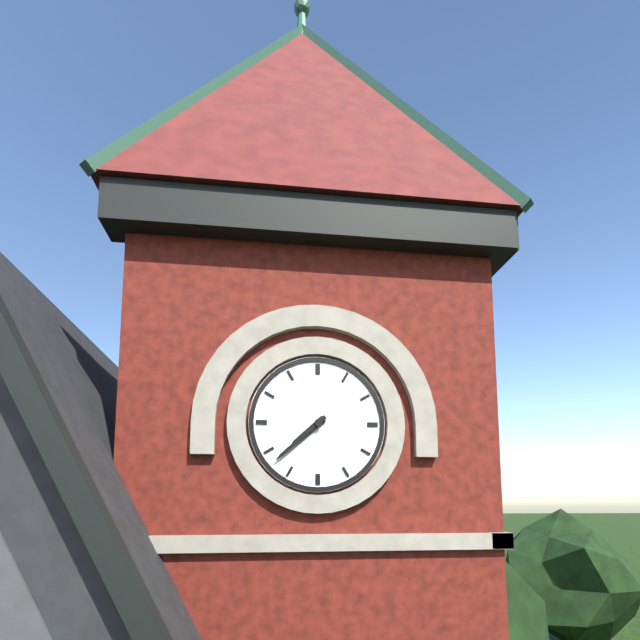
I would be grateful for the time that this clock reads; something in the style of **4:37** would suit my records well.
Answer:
**7:38**
